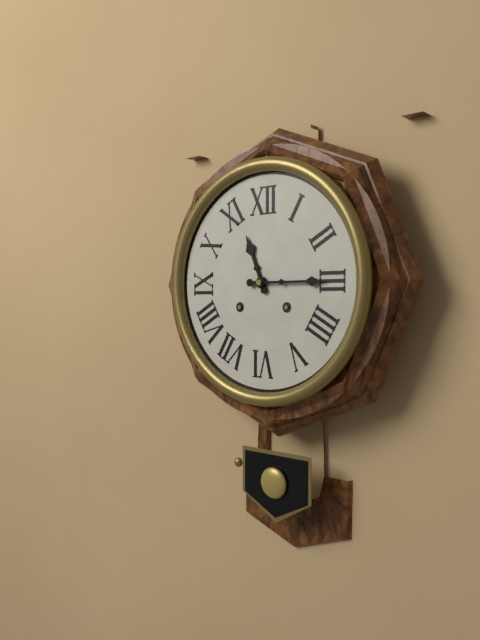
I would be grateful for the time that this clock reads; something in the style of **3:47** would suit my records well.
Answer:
**11:15**
